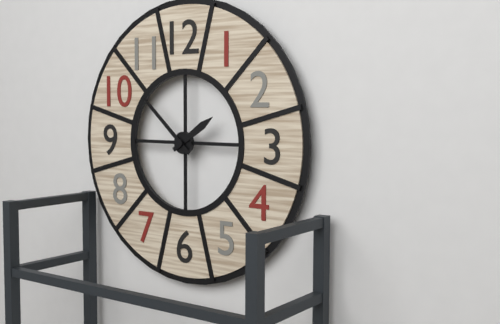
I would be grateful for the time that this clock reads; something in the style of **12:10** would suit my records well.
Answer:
**1:52**
